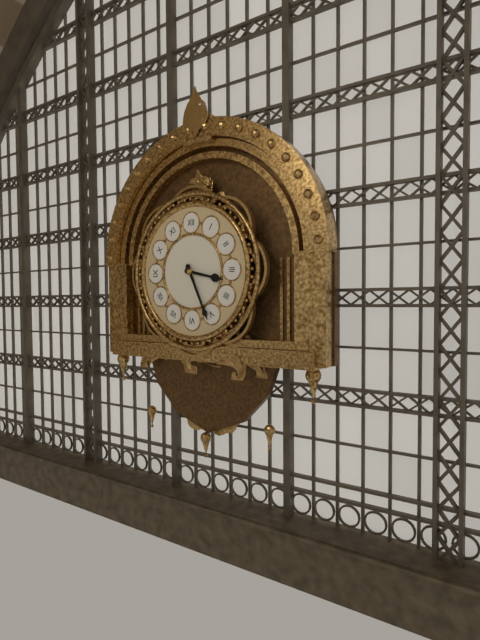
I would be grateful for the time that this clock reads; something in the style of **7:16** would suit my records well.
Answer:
**3:26**
